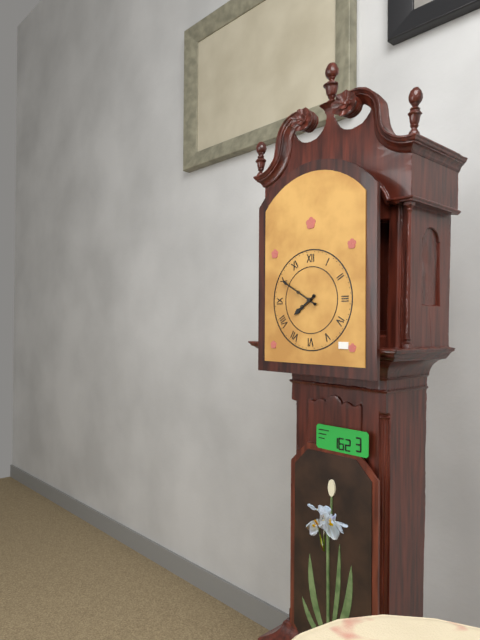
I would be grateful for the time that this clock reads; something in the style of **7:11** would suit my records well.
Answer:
**7:50**
